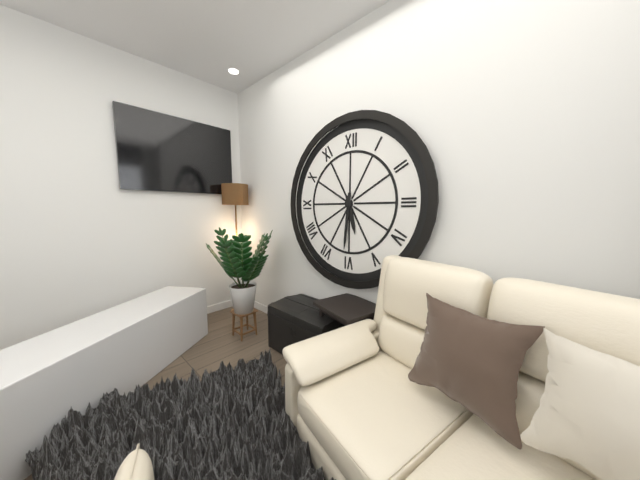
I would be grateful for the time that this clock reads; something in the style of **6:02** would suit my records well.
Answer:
**5:31**
